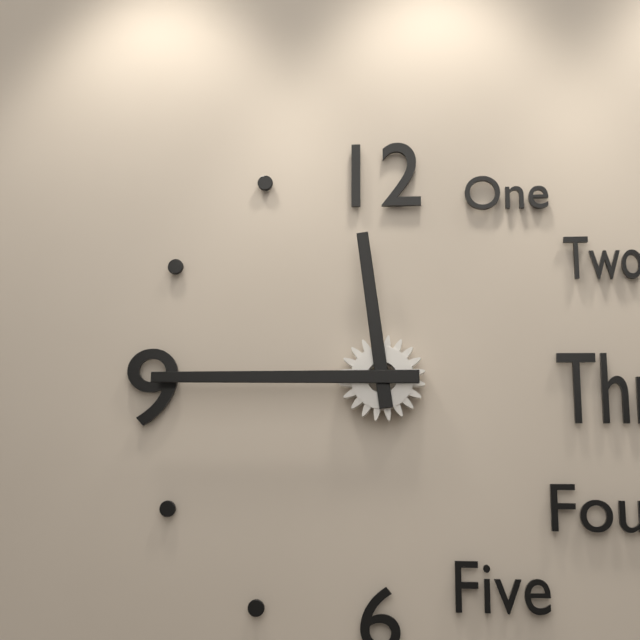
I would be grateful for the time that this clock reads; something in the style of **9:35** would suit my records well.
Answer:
**11:45**
